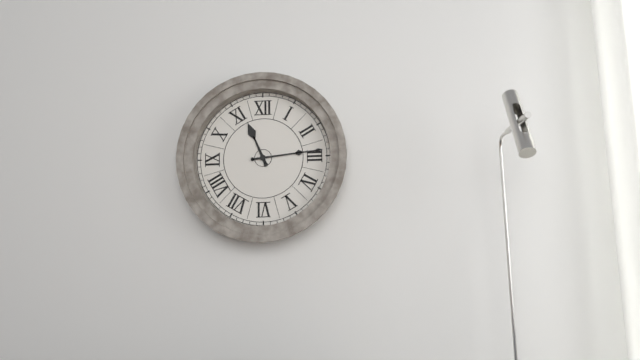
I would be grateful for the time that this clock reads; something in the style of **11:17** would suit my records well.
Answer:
**11:14**
